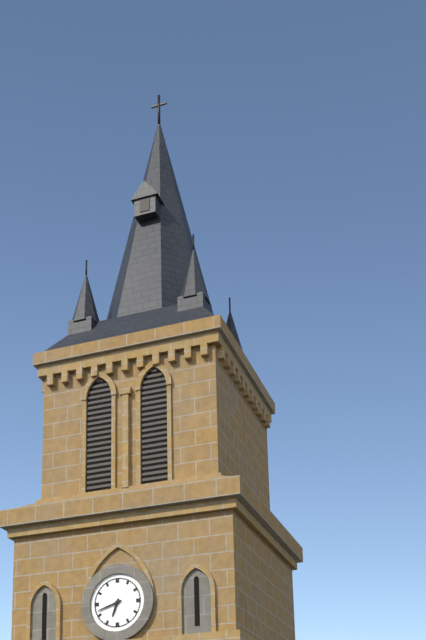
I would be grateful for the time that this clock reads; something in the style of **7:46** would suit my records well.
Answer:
**6:42**
